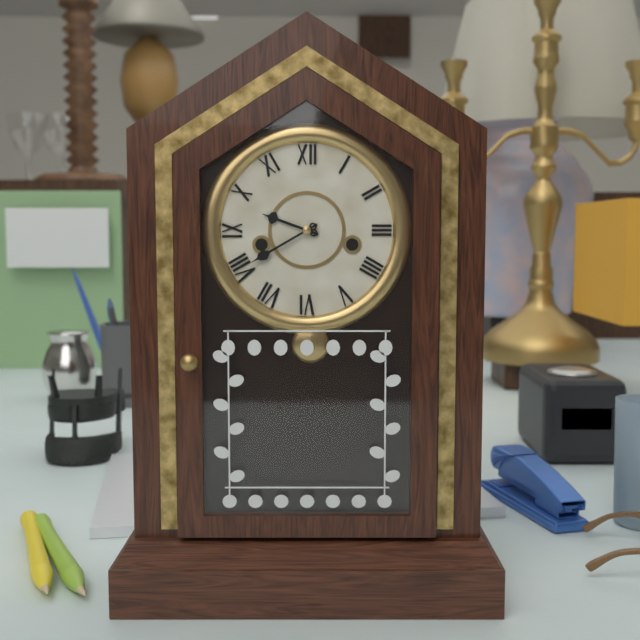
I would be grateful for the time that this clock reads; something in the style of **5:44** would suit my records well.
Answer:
**9:40**
